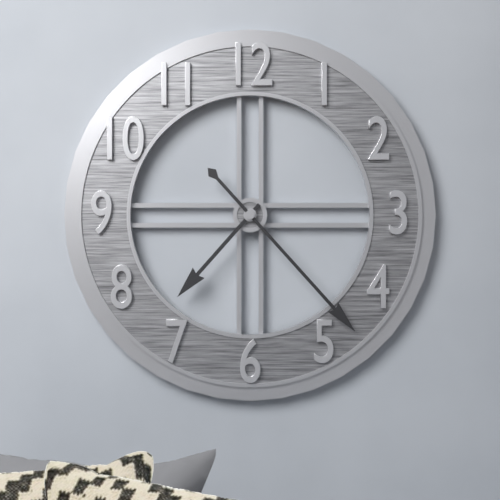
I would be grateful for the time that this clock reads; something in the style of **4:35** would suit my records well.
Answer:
**7:23**
